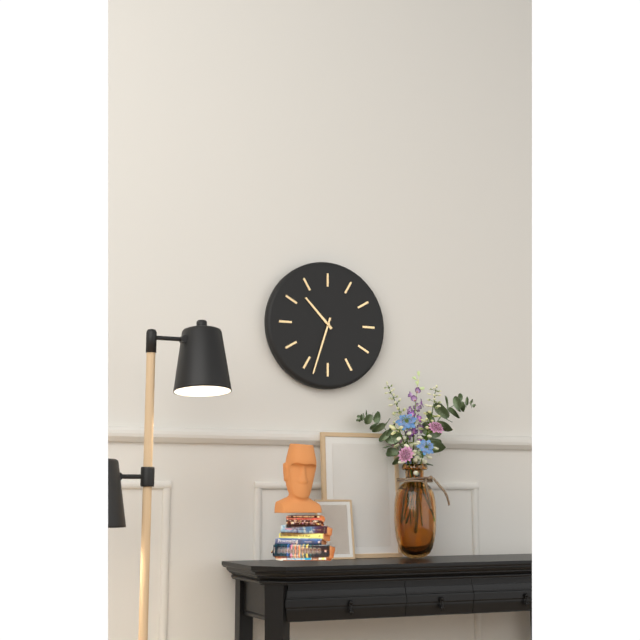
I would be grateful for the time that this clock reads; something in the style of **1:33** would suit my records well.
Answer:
**10:33**
